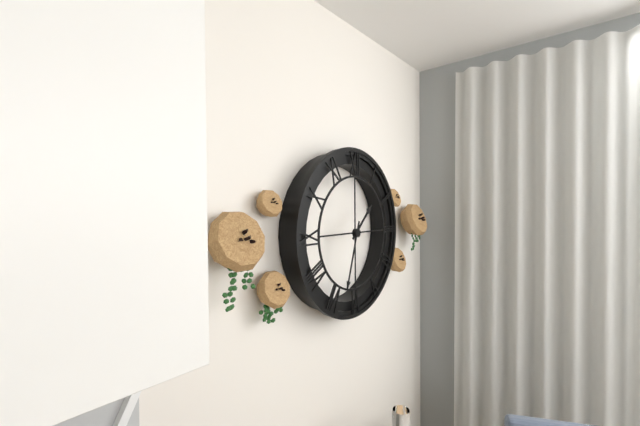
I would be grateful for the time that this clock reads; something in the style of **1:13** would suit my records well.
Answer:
**1:33**
